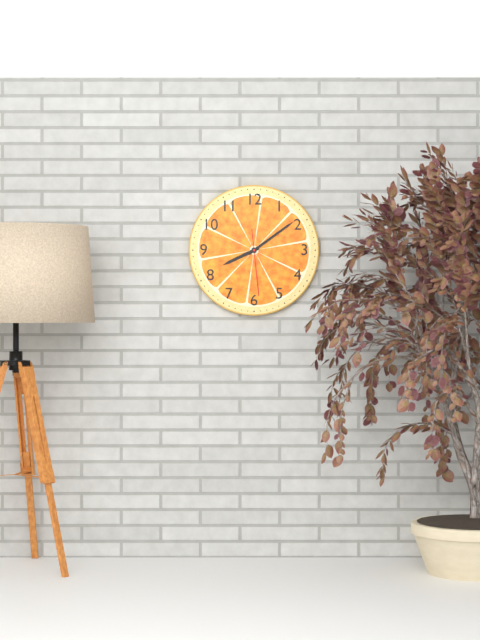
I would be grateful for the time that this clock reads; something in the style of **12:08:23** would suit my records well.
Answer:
**8:09:29**
